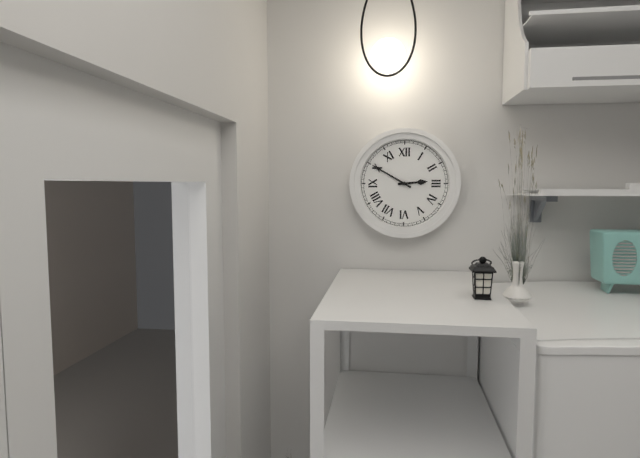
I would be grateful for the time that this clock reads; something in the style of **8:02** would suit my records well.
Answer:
**2:50**
